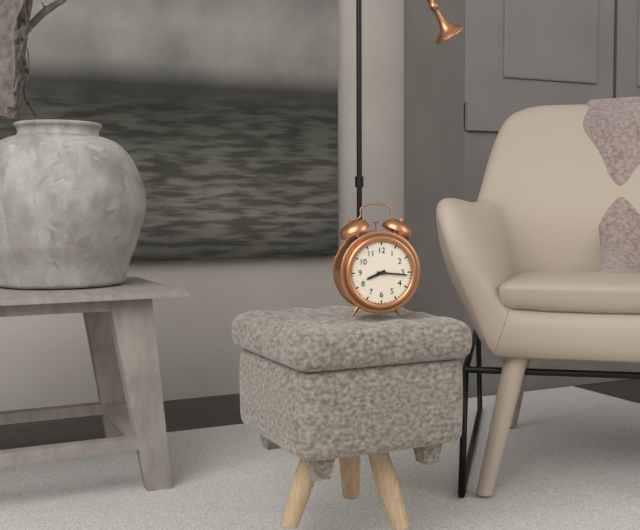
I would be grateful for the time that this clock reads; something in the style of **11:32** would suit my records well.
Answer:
**8:16**
